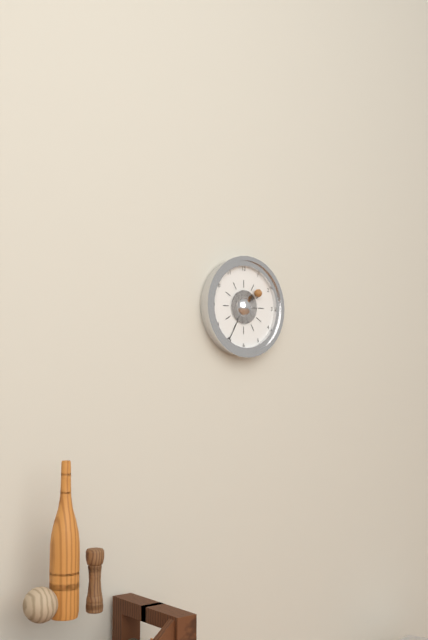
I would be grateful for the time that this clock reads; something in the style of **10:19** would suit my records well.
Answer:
**1:35**
